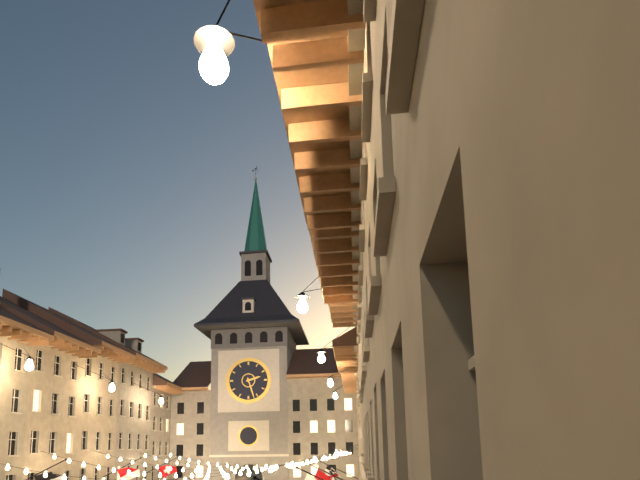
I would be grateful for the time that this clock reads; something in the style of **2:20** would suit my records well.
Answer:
**2:27**
